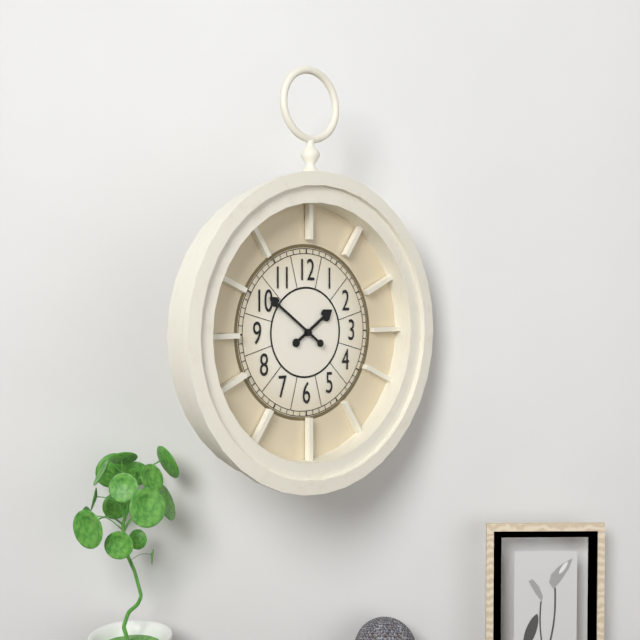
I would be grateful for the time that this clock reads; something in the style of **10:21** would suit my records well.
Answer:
**1:51**
